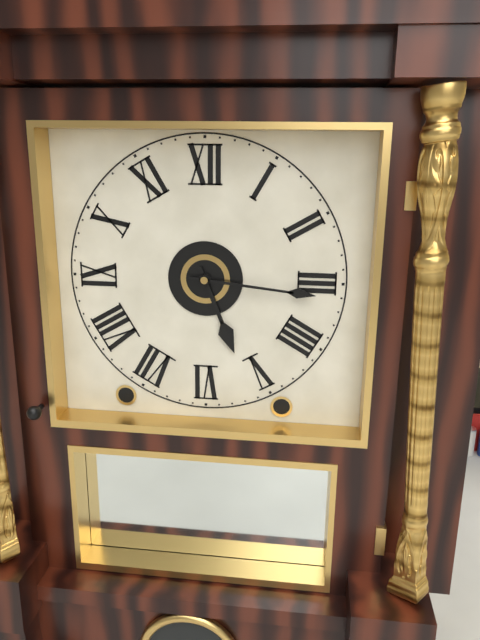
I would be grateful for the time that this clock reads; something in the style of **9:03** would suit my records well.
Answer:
**5:16**
